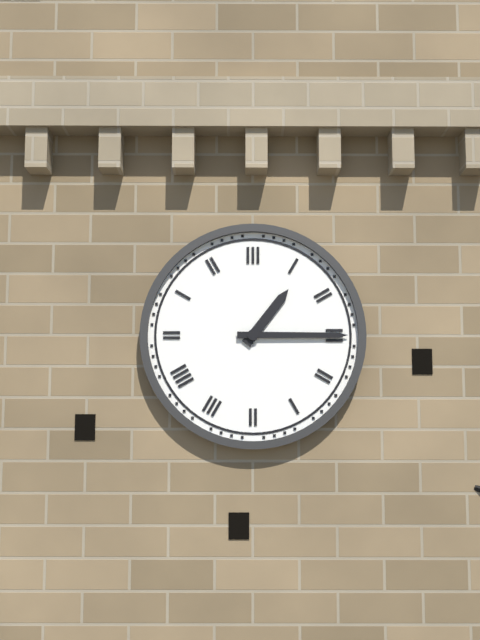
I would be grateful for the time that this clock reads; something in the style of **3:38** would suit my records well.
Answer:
**1:15**
